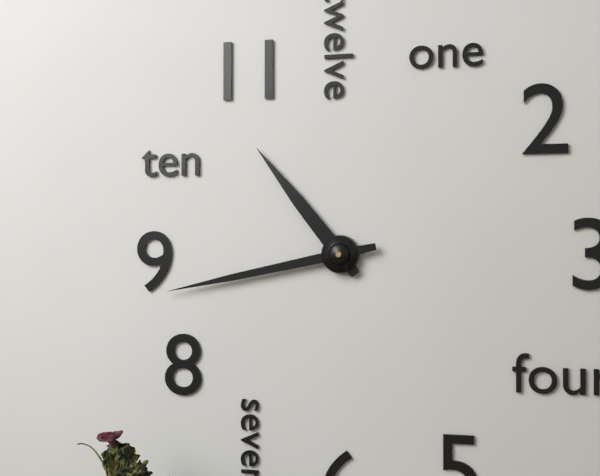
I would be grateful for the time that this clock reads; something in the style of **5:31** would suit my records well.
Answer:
**10:43**
